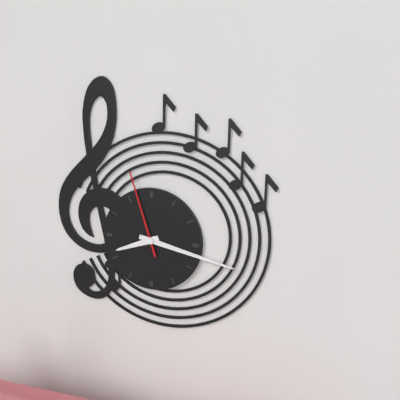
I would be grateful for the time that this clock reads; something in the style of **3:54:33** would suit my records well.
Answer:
**8:17:57**
